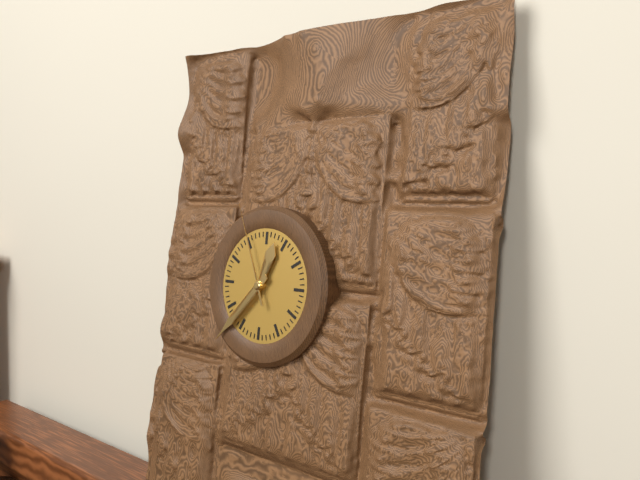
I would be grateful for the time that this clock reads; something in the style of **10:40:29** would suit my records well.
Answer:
**12:37:56**
